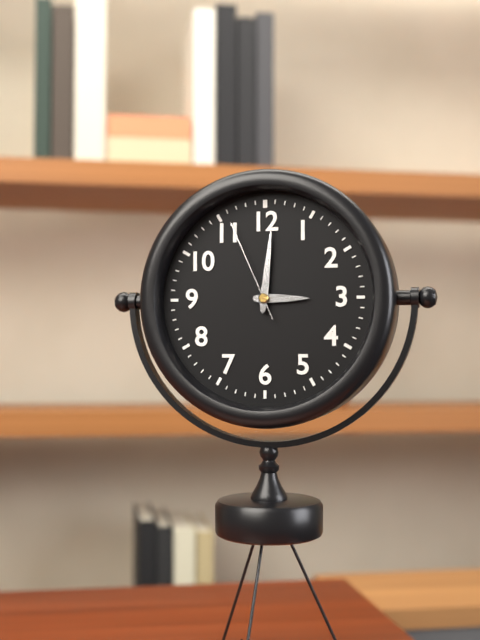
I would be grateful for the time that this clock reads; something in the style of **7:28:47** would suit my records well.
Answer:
**3:01:56**
